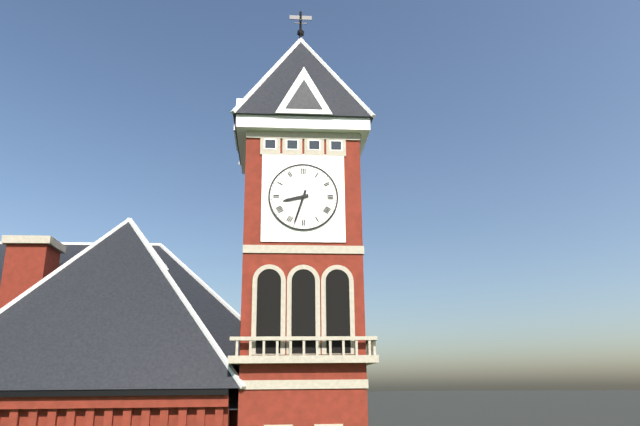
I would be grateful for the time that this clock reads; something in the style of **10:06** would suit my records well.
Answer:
**8:33**
